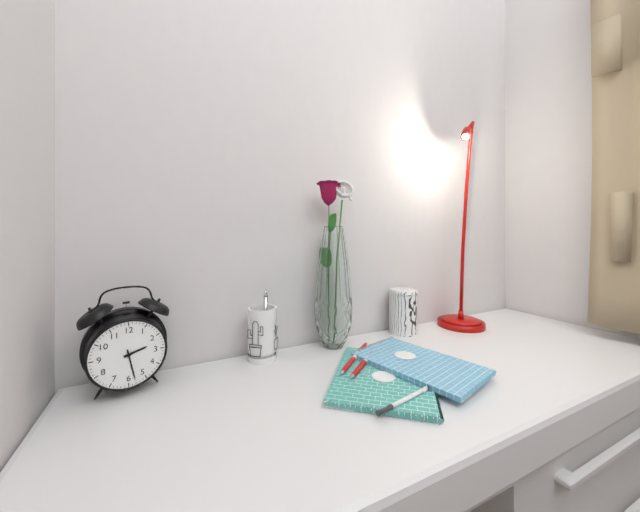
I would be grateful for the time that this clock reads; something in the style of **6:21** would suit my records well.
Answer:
**2:28**
